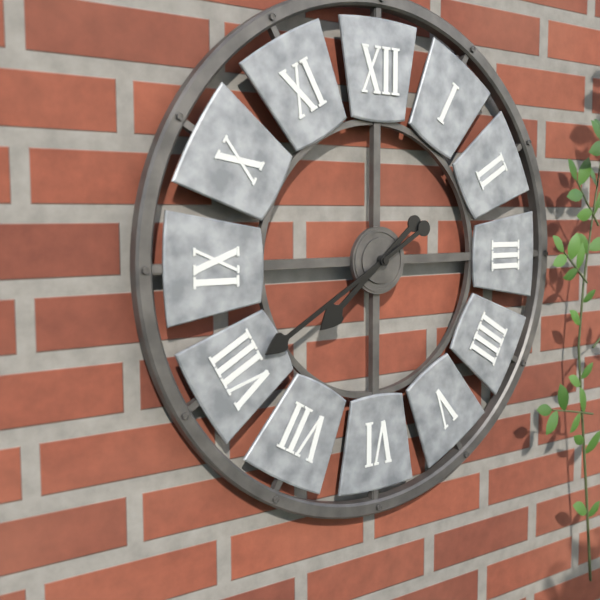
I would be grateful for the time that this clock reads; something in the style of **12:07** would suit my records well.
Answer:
**7:40**
